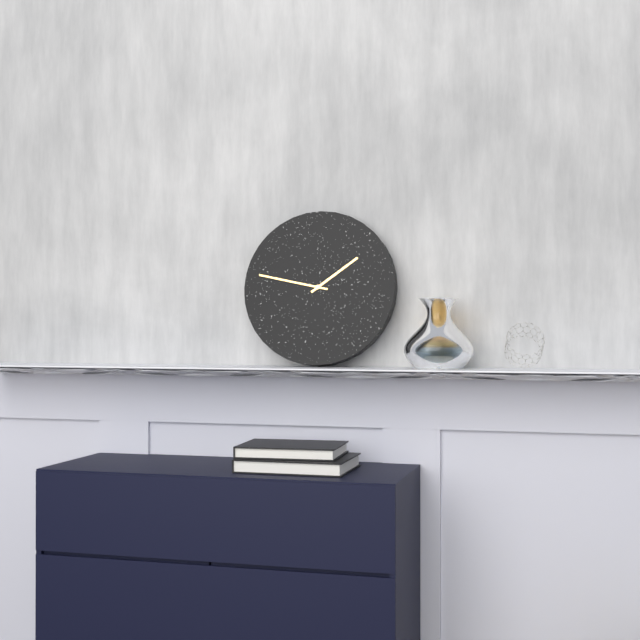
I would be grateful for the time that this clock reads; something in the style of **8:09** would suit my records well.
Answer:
**1:47**
